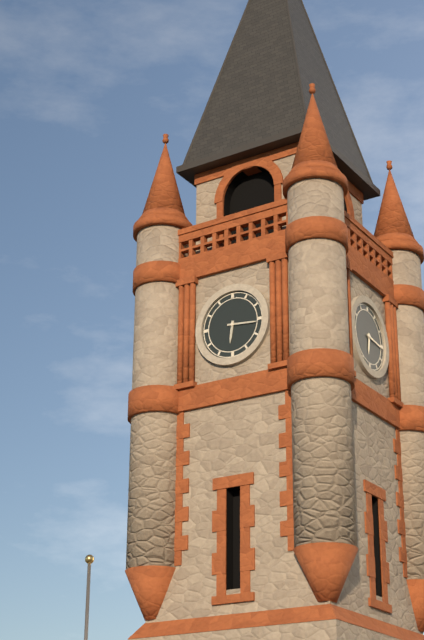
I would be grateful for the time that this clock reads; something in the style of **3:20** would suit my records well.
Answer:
**6:16**
